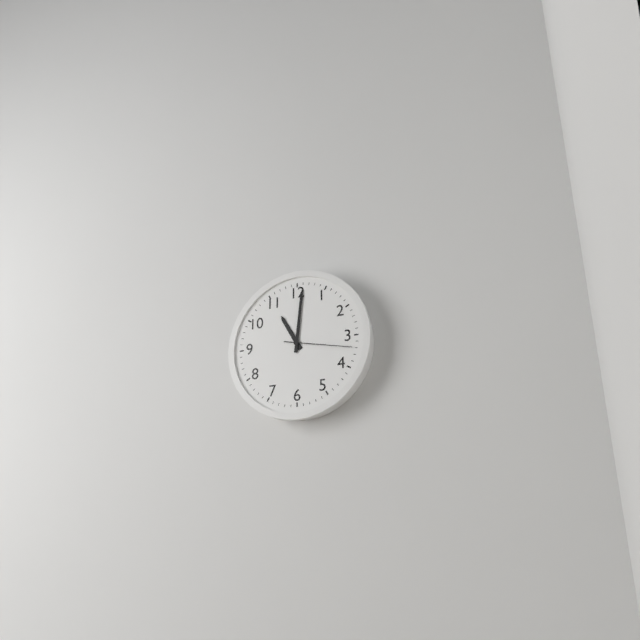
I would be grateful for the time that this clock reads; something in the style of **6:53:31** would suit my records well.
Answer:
**11:01:17**
